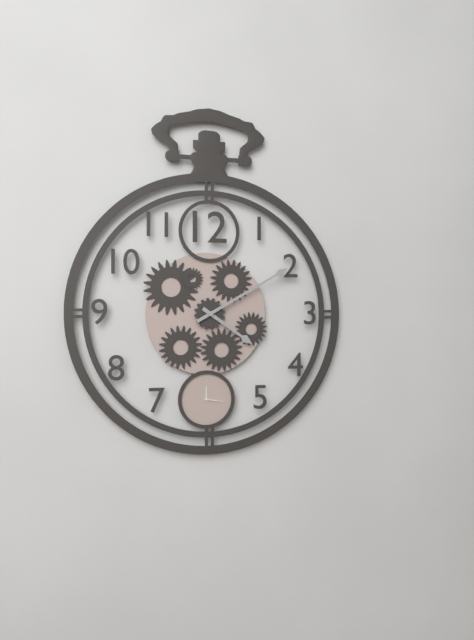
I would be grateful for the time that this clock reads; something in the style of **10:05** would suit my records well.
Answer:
**4:10**
